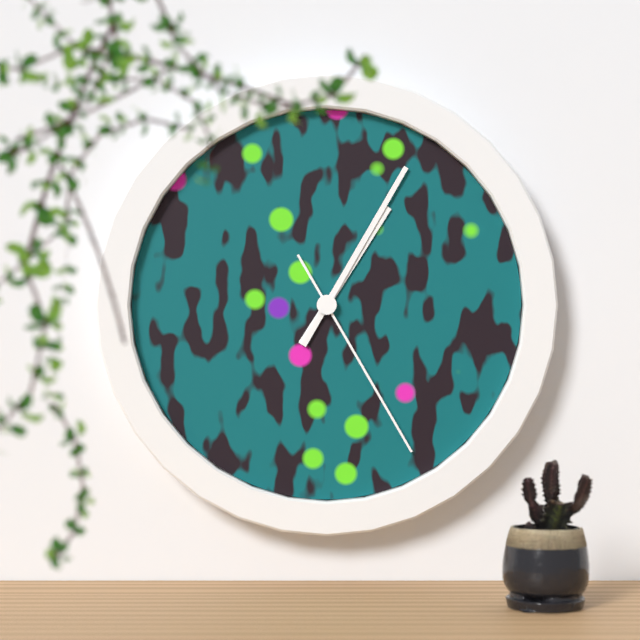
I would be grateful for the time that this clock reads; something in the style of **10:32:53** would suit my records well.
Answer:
**1:05:25**
